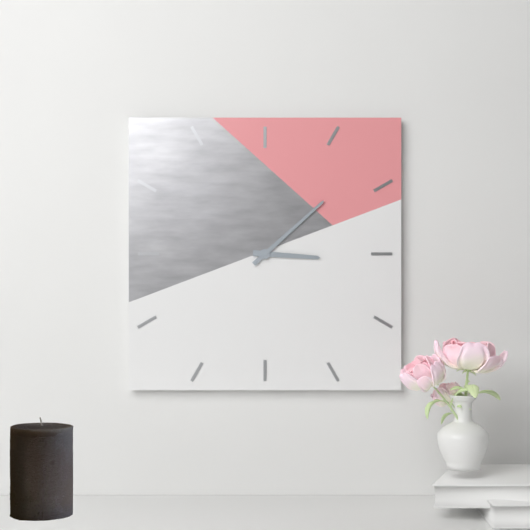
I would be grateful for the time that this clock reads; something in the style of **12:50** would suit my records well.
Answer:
**3:08**
